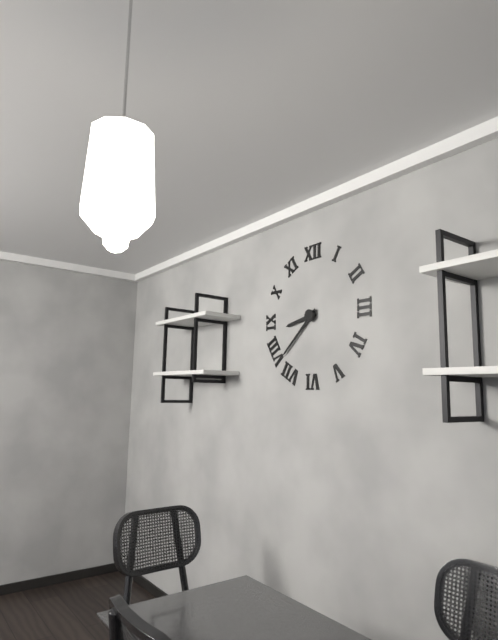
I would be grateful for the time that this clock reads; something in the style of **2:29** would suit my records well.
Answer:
**8:38**
